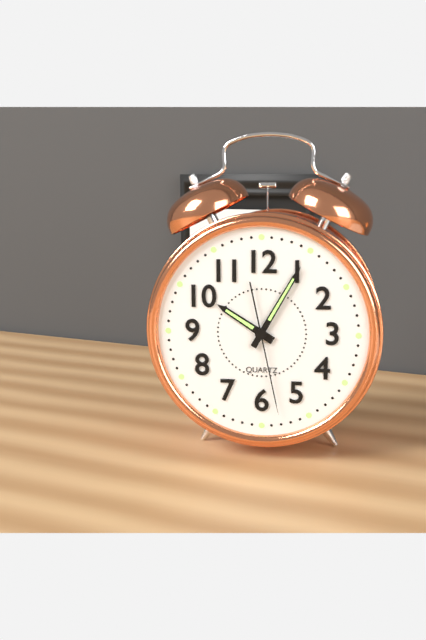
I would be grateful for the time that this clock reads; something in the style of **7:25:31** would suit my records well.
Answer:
**10:05:28**
